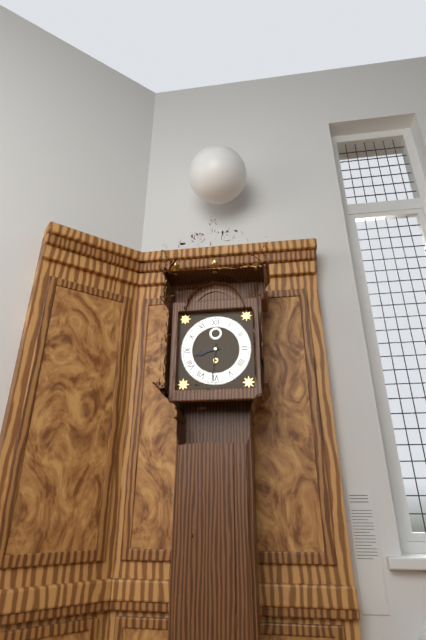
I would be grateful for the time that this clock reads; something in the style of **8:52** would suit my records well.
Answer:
**8:31**
